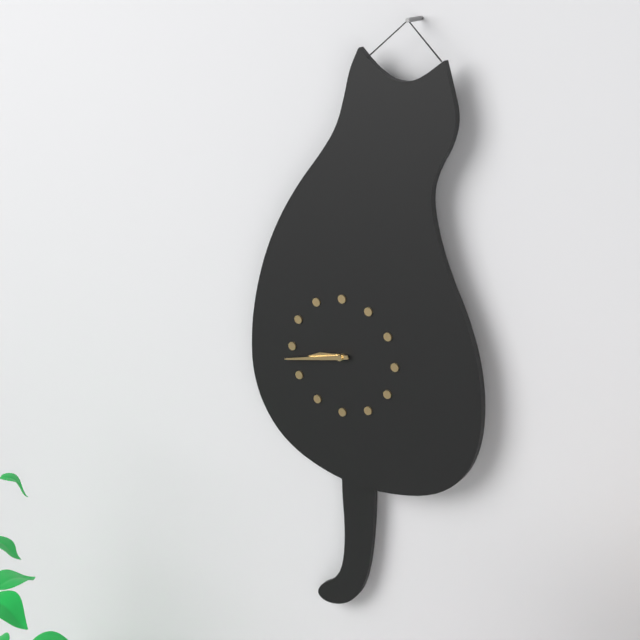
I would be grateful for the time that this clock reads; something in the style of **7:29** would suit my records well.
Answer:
**8:43**
